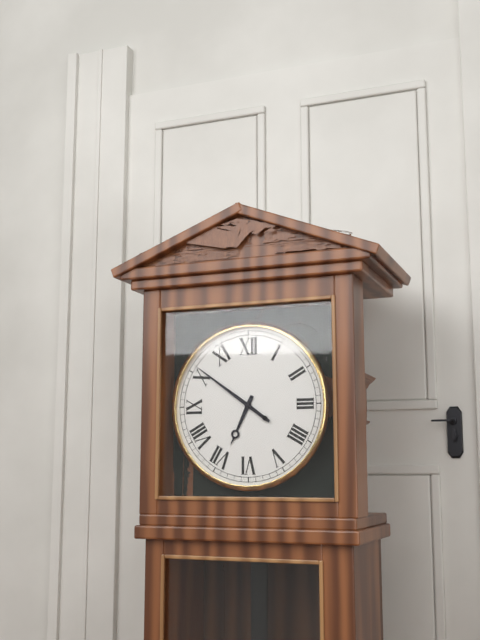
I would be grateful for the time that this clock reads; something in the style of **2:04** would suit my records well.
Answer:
**6:51**
